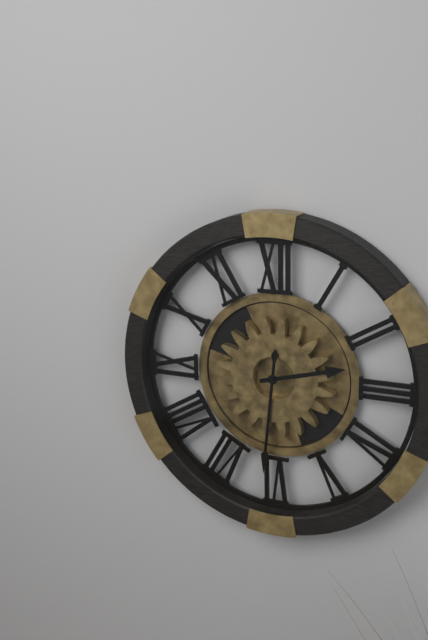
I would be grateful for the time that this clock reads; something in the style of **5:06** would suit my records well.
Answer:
**2:31**
